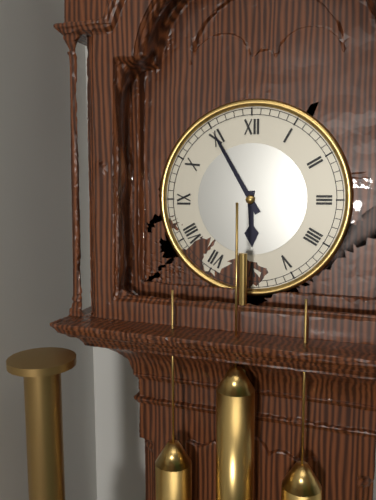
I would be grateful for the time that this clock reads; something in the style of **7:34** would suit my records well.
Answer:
**5:55**
